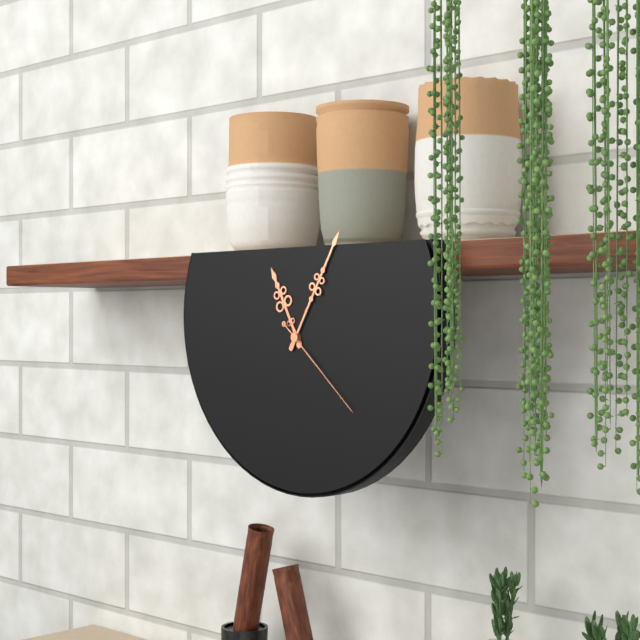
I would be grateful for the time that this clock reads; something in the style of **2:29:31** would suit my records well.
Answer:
**11:05:22**
